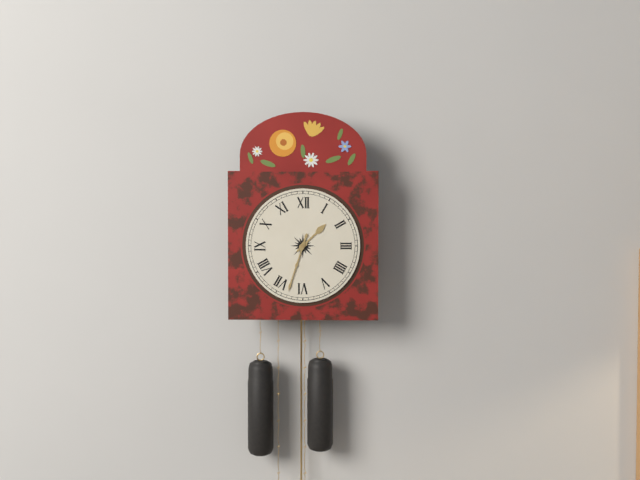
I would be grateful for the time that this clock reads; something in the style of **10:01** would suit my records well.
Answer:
**1:33**
